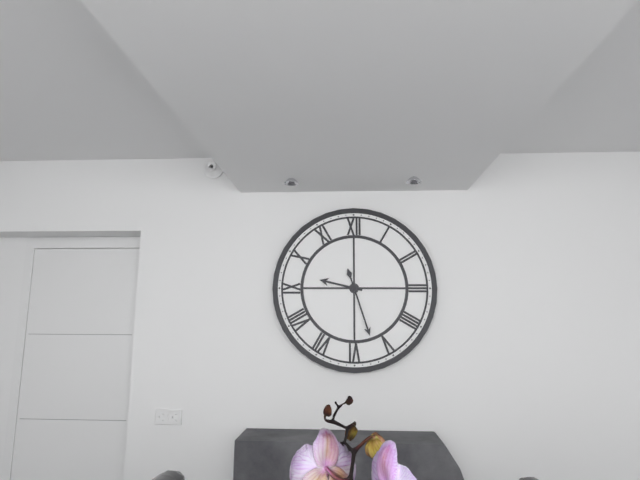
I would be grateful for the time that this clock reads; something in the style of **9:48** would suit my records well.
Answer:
**9:27**
